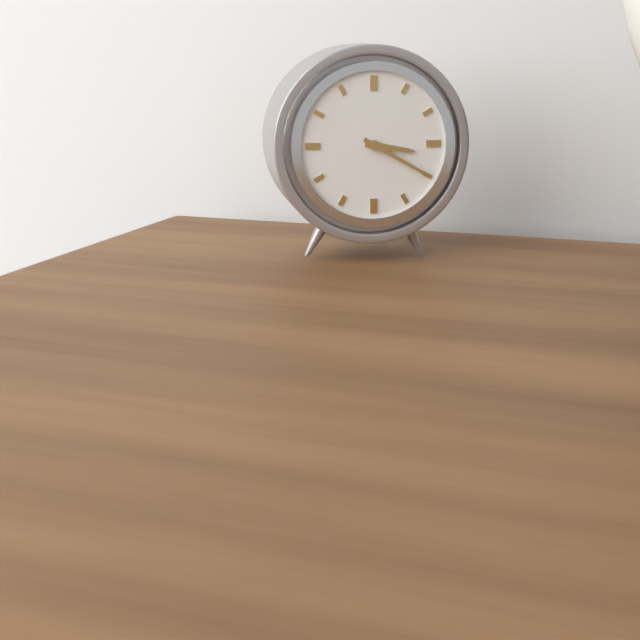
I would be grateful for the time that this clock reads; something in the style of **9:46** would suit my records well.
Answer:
**3:20**
